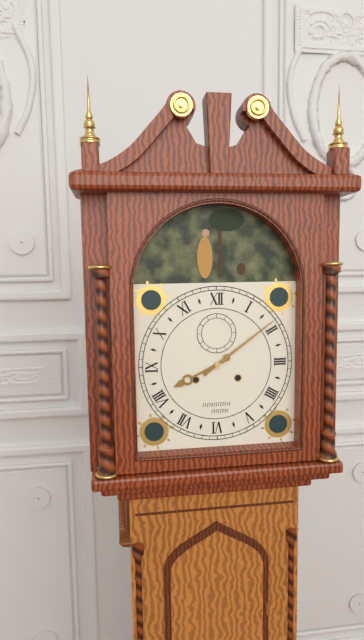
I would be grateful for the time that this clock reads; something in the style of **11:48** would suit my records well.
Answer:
**8:09**
